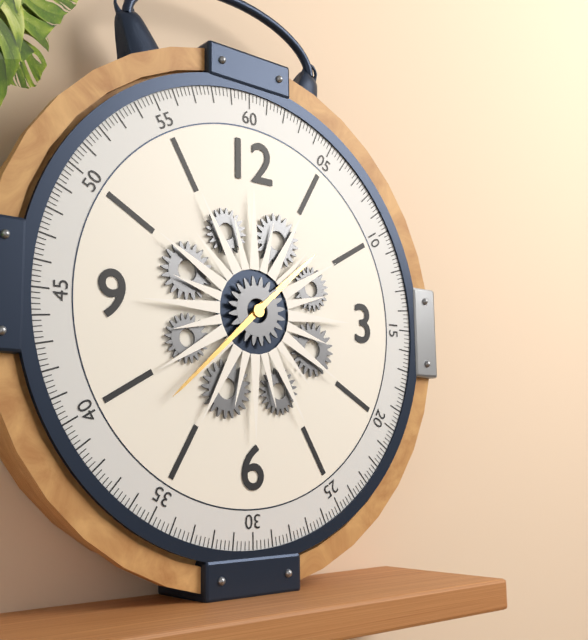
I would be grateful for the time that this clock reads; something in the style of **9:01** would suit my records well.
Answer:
**1:38**
